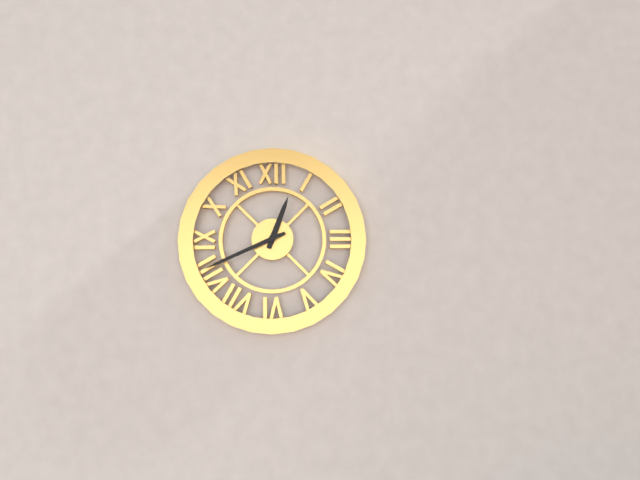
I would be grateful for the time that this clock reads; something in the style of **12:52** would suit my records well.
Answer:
**12:41**
